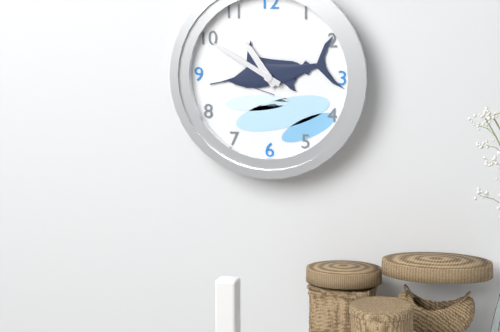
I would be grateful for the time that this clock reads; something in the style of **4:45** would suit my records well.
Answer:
**10:50**
